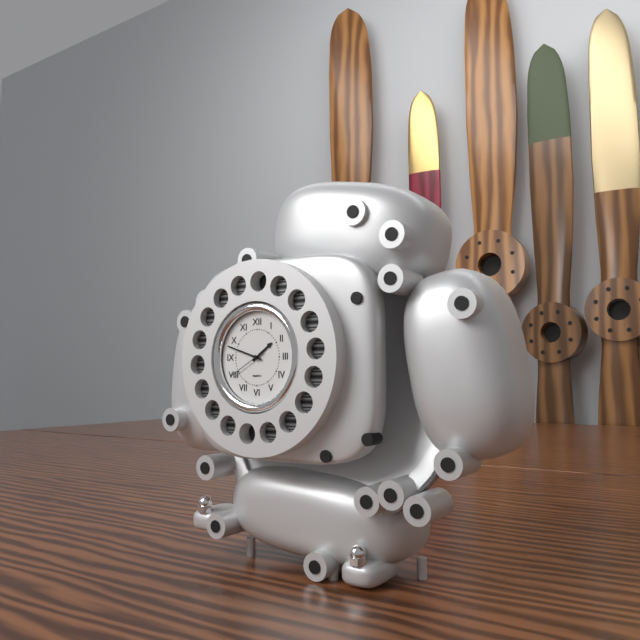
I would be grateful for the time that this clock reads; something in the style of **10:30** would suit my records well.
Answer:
**1:48**
